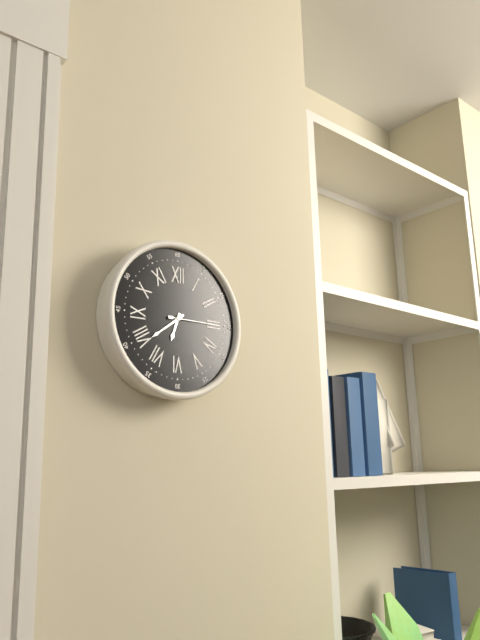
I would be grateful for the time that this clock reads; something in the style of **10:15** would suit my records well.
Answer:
**6:39**
